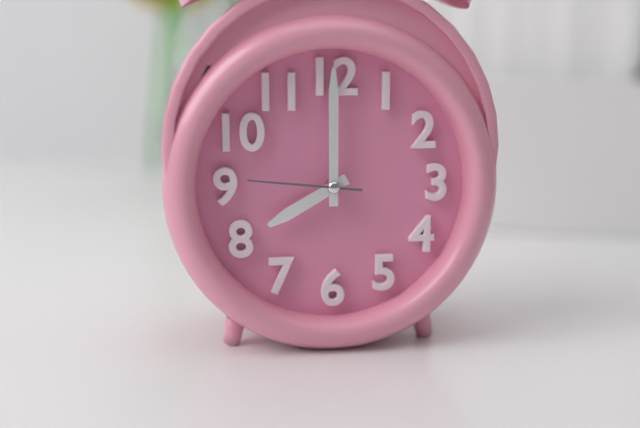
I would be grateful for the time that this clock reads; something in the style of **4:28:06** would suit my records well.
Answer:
**8:00:46**
